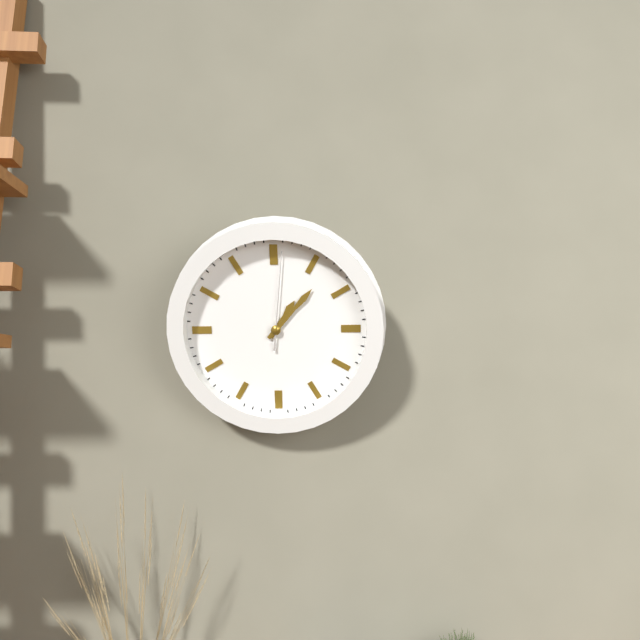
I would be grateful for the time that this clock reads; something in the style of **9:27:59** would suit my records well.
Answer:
**1:07:01**
